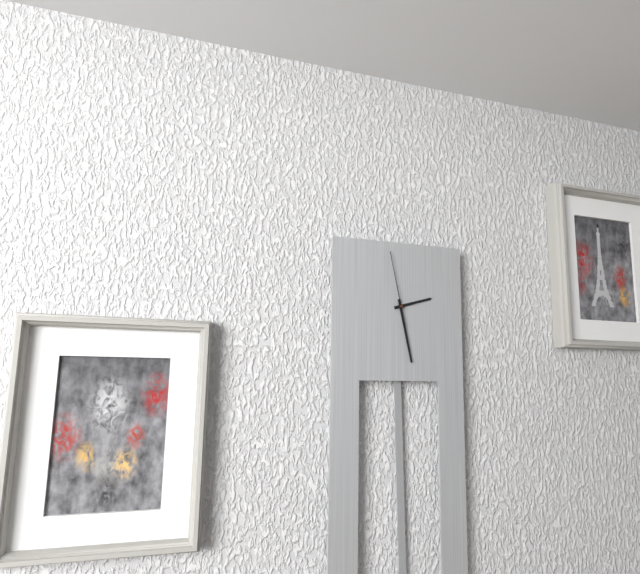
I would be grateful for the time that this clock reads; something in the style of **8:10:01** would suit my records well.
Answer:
**2:28:58**
